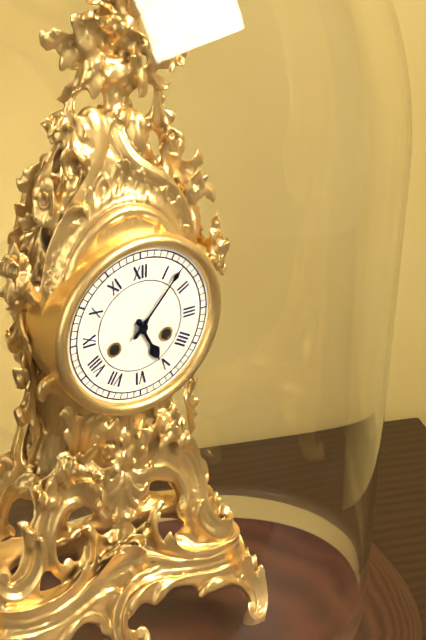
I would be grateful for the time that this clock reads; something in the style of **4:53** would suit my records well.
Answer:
**5:07**
